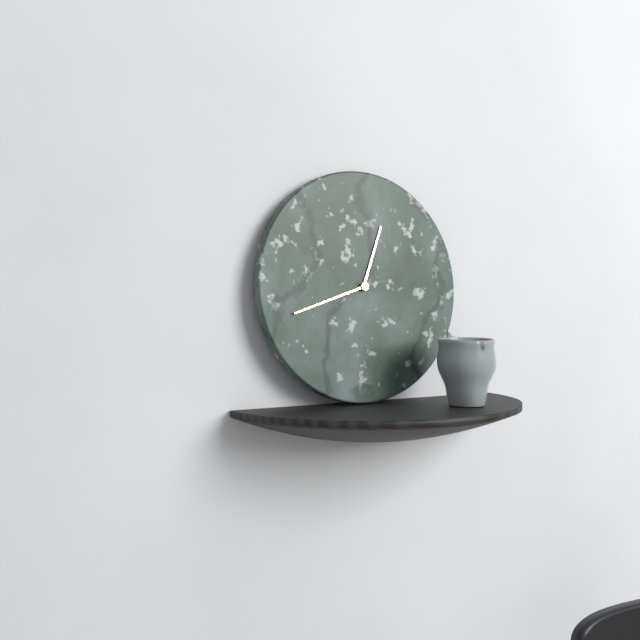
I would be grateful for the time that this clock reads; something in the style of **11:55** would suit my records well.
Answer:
**12:42**
